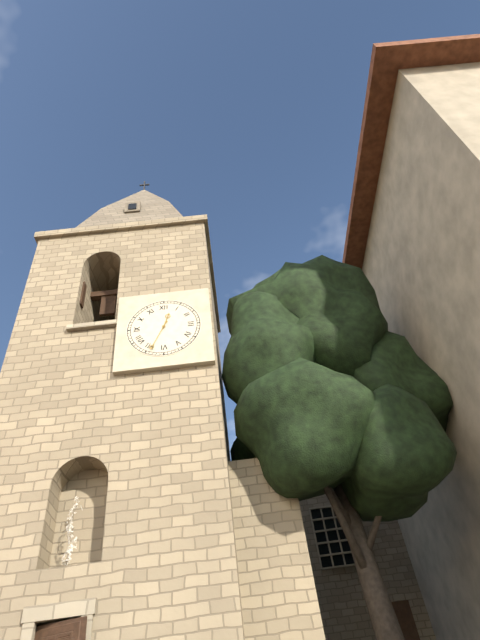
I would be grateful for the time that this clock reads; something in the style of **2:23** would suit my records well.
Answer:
**12:34**
